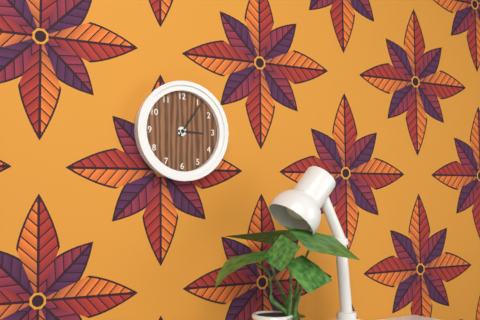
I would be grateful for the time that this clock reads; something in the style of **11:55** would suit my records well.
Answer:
**3:06**
